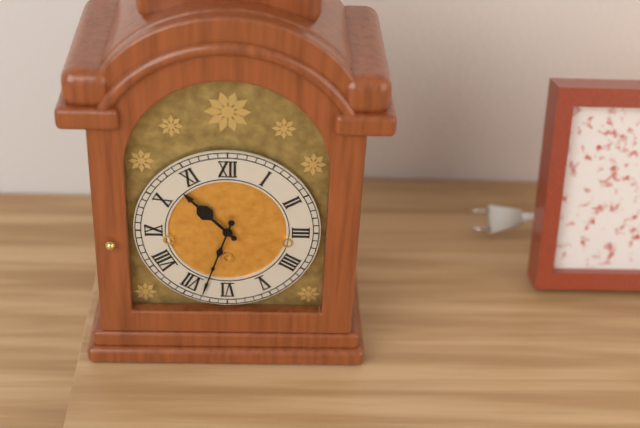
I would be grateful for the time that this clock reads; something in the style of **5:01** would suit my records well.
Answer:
**10:33**
